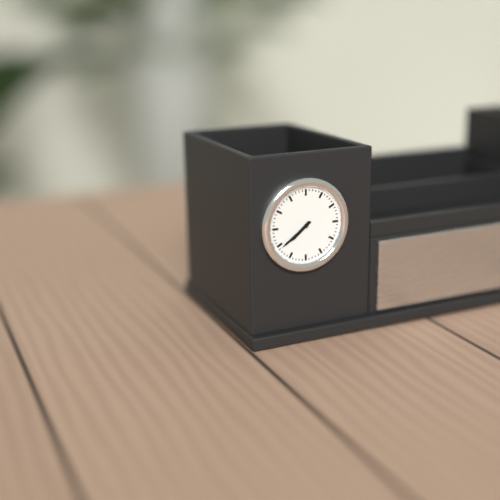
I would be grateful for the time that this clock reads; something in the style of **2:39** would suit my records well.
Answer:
**7:39**
